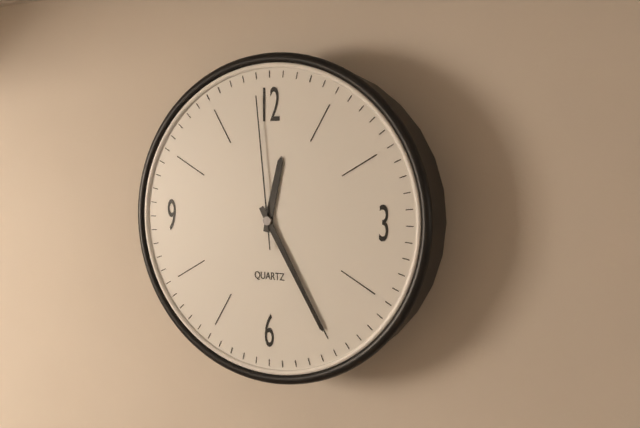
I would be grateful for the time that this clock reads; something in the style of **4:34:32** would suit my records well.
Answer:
**12:25:59**
